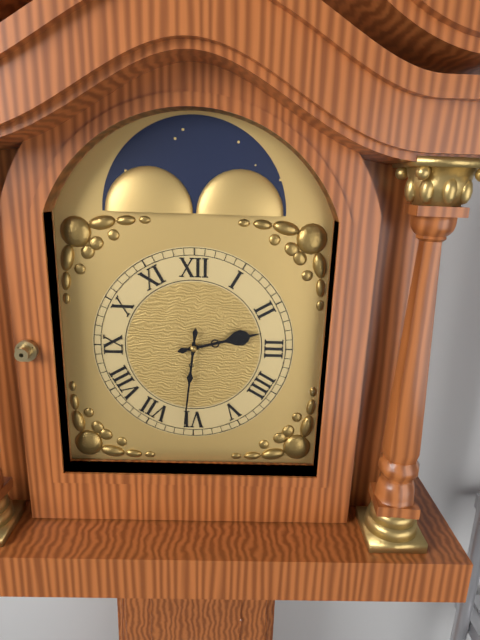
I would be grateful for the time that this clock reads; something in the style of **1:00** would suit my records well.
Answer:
**2:31**
